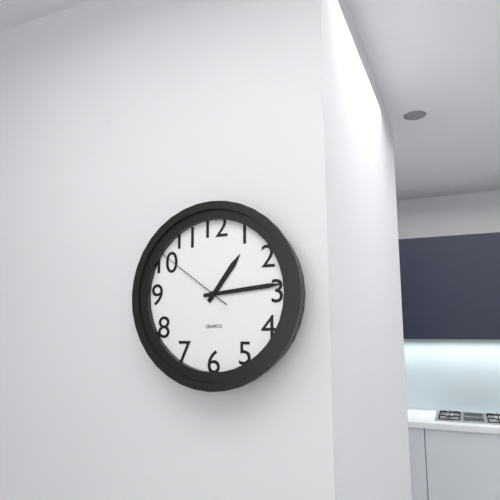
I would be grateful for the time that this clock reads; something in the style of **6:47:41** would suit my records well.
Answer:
**1:14:51**
